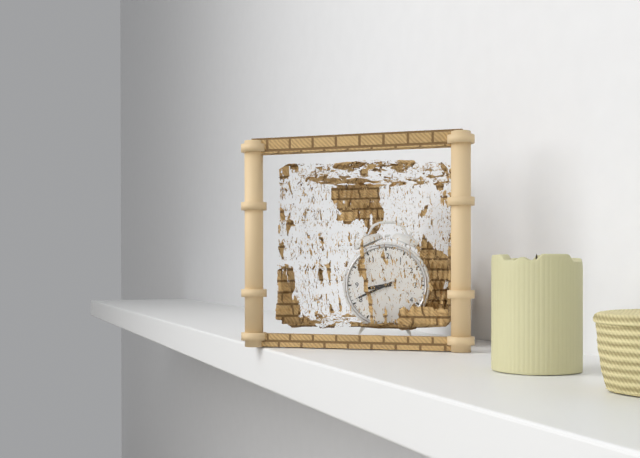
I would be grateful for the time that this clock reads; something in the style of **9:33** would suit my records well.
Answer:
**8:41**
